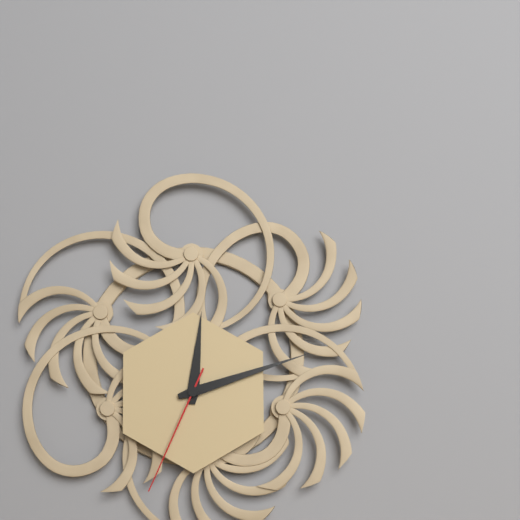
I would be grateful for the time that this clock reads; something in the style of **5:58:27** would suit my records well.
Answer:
**12:12:34**
